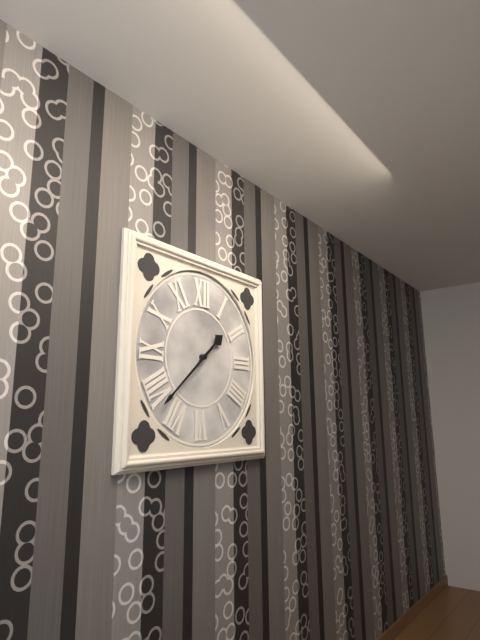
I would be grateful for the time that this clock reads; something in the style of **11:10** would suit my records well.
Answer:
**1:38**
